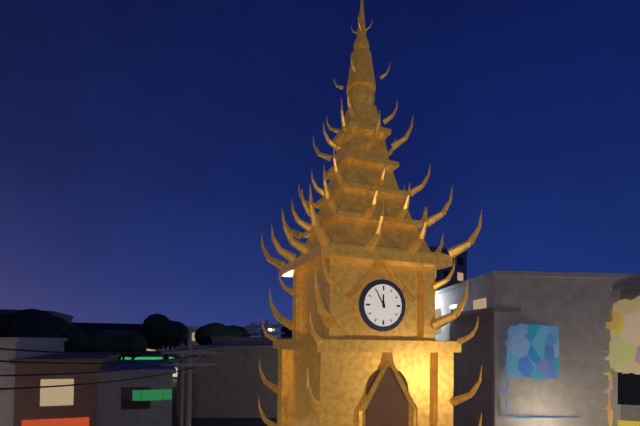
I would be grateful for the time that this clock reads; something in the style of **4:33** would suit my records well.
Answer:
**11:55**
